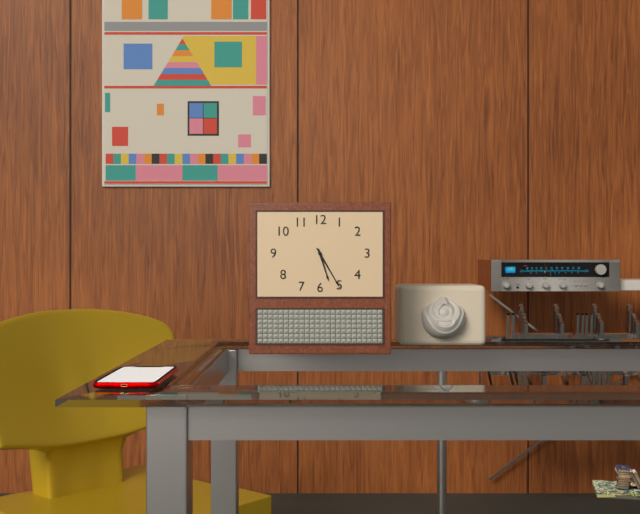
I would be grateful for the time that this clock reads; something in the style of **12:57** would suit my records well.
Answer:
**5:25**
